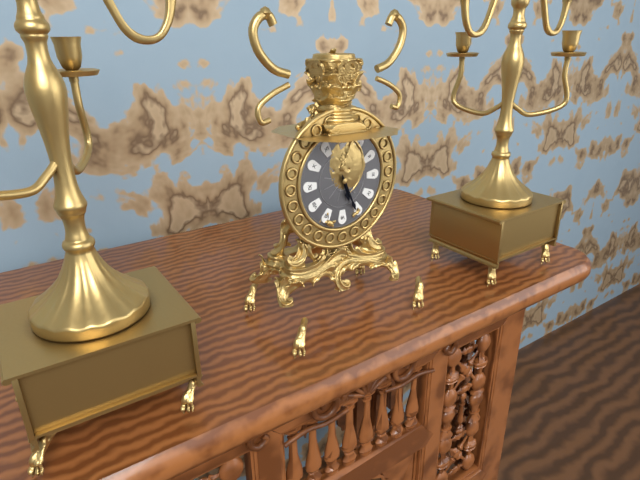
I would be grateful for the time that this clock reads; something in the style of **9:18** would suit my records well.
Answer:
**5:26**
